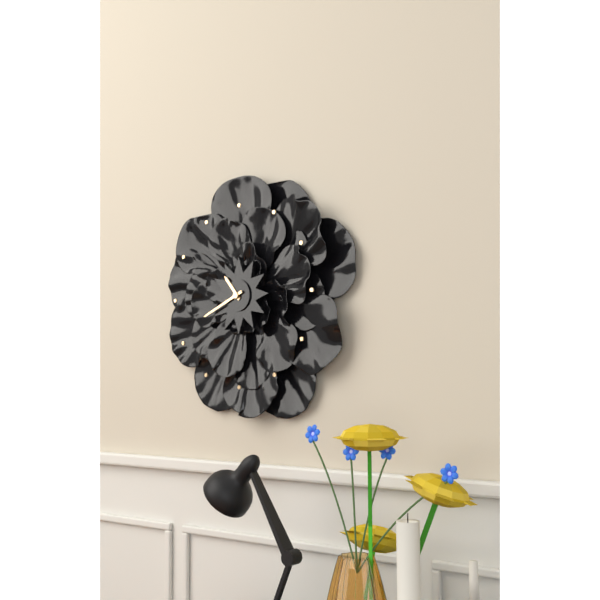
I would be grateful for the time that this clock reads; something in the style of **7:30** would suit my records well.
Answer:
**10:41**
